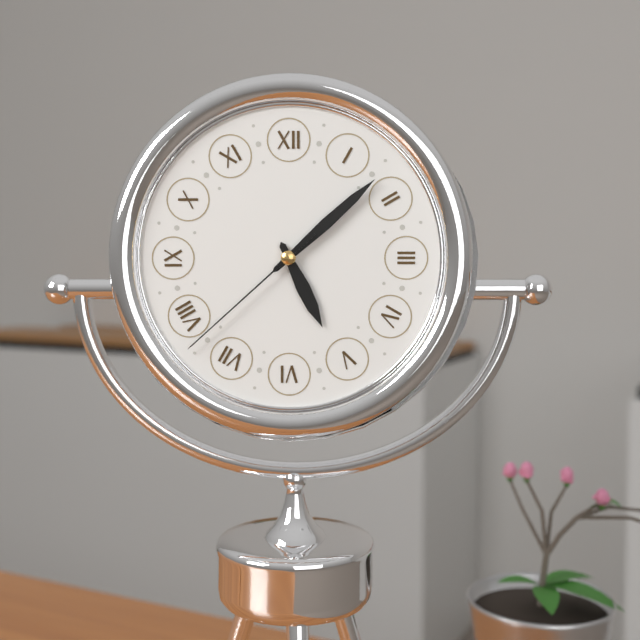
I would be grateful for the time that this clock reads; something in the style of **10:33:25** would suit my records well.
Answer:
**5:08:38**
